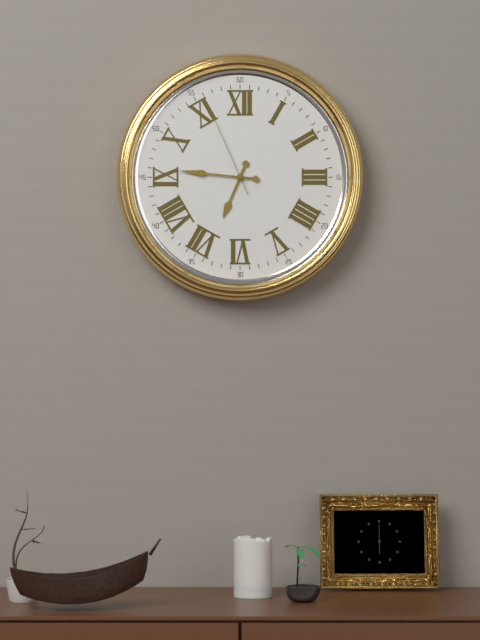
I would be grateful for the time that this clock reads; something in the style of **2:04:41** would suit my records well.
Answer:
**6:46:56**
